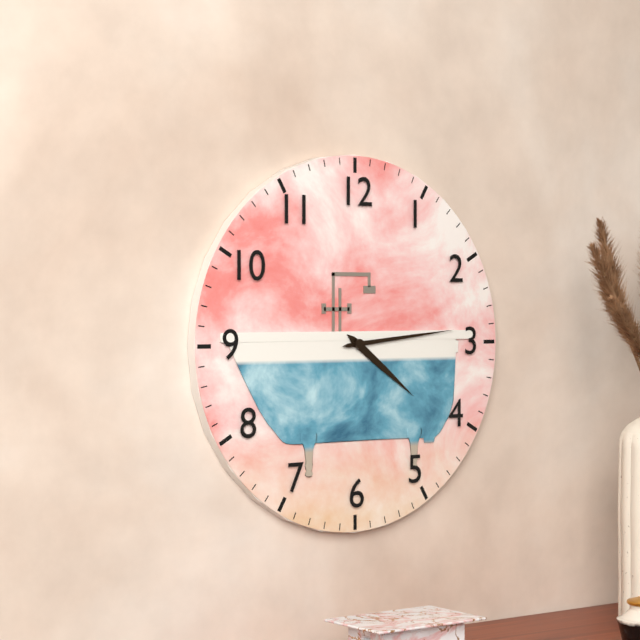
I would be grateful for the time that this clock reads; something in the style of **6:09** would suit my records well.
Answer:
**4:14**
